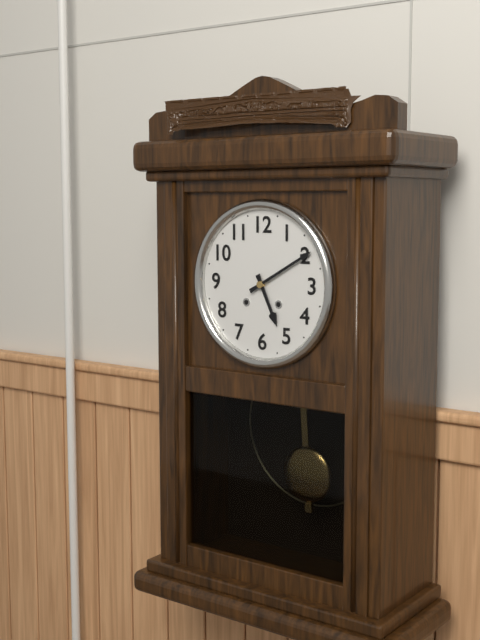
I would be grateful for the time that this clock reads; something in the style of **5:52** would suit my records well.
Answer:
**5:10**
